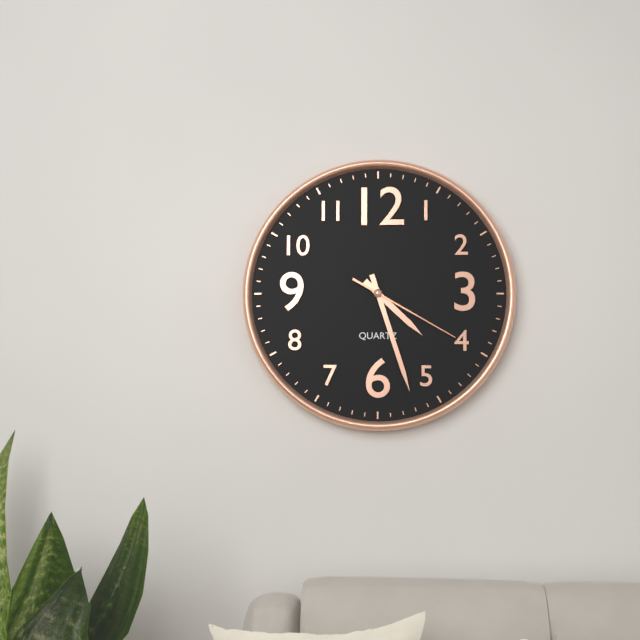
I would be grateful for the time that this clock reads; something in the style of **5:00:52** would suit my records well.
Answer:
**4:27:20**
